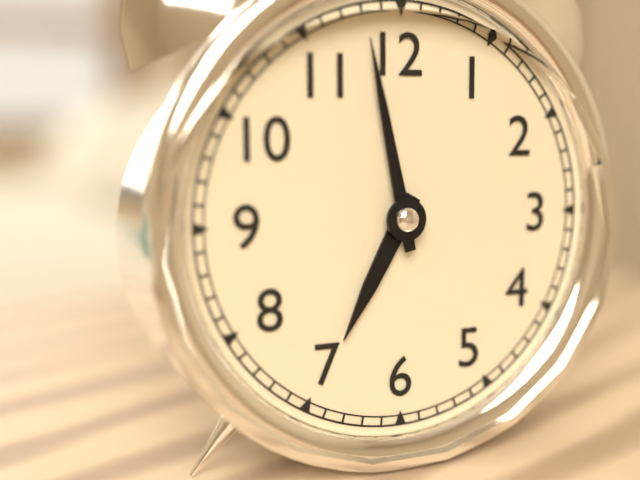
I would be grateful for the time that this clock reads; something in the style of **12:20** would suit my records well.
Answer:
**6:58**
